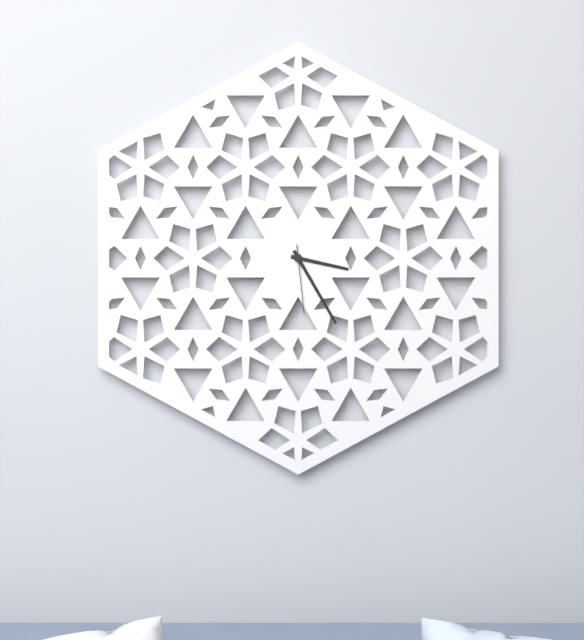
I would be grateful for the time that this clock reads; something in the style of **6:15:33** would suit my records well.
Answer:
**3:25:29**
